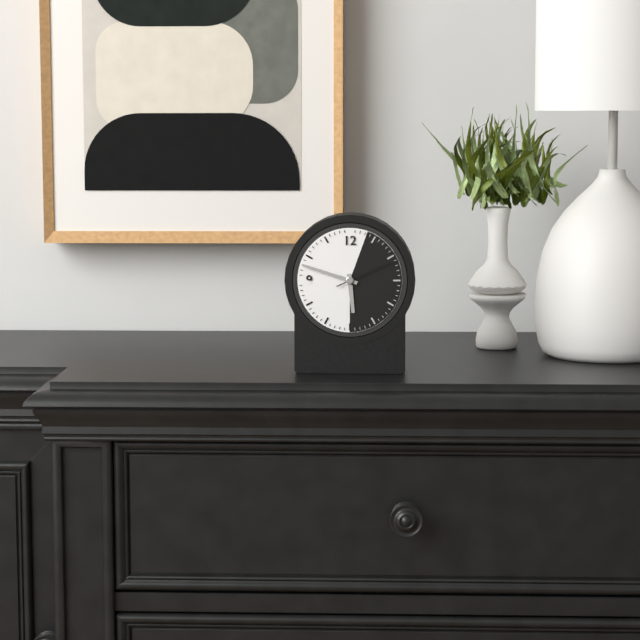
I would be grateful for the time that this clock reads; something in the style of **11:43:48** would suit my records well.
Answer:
**5:48:11**
